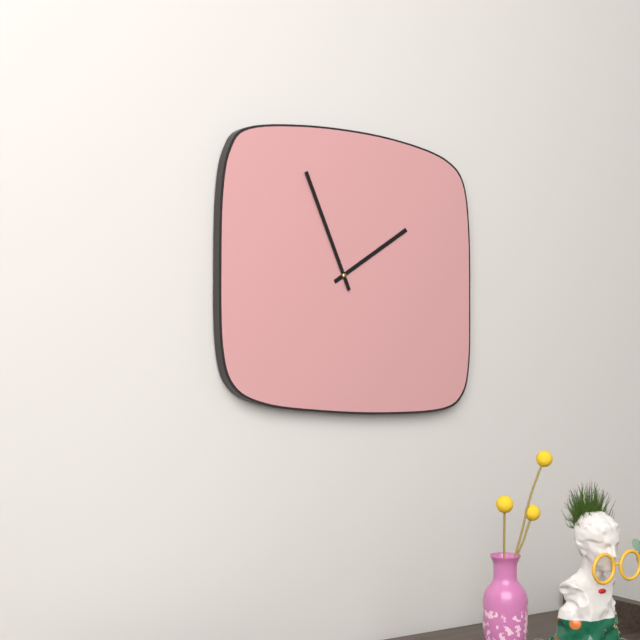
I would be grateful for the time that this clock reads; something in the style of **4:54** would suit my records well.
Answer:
**1:56**
